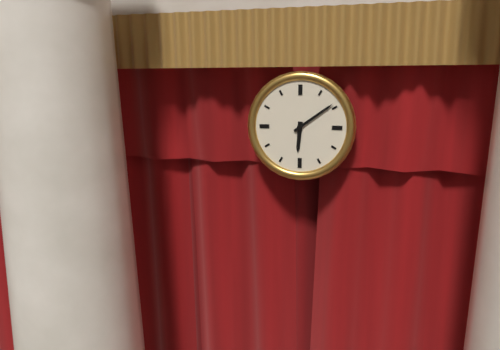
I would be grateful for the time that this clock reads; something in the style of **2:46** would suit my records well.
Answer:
**6:09**
